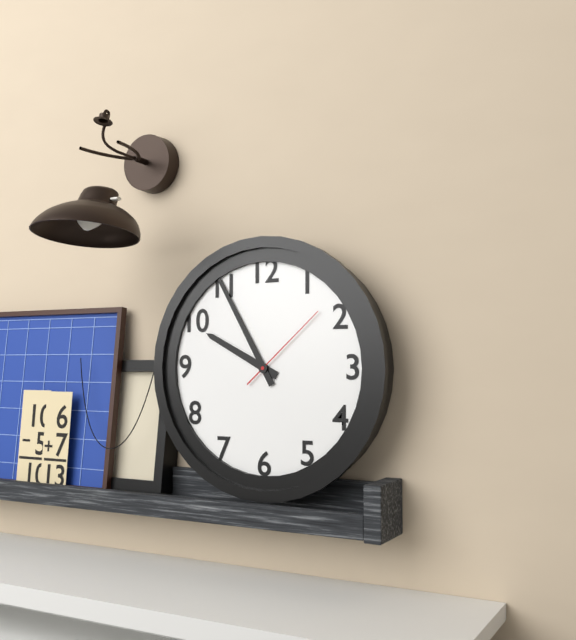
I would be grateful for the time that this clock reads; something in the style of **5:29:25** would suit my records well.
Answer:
**9:55:08**
